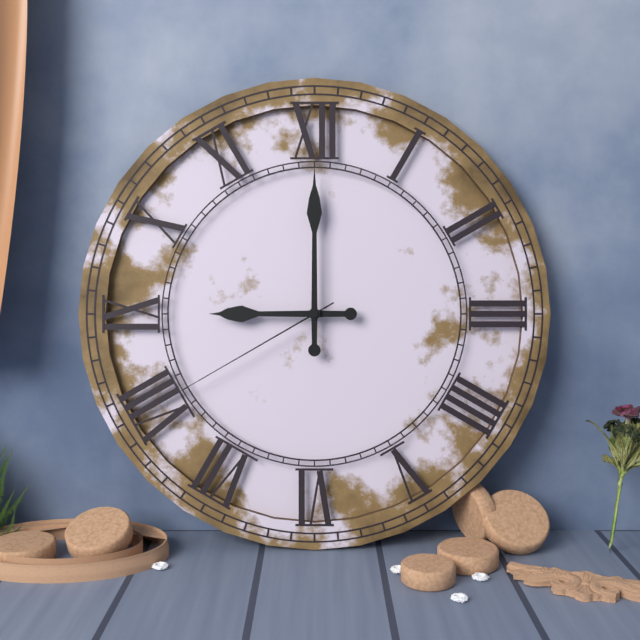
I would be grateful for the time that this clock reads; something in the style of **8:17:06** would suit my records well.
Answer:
**9:00:40**
